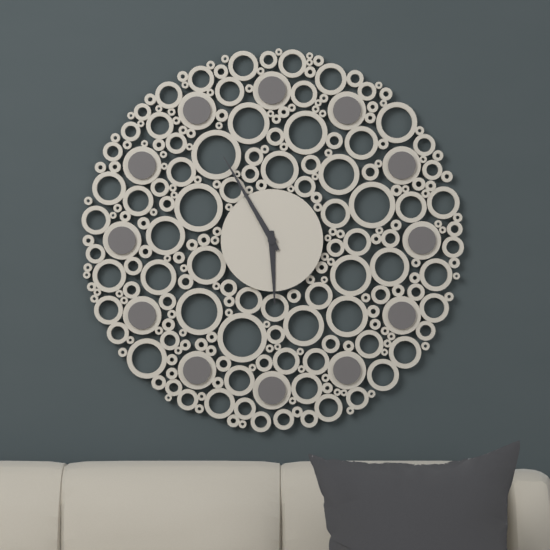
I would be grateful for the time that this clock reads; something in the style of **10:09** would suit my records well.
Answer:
**5:55**
